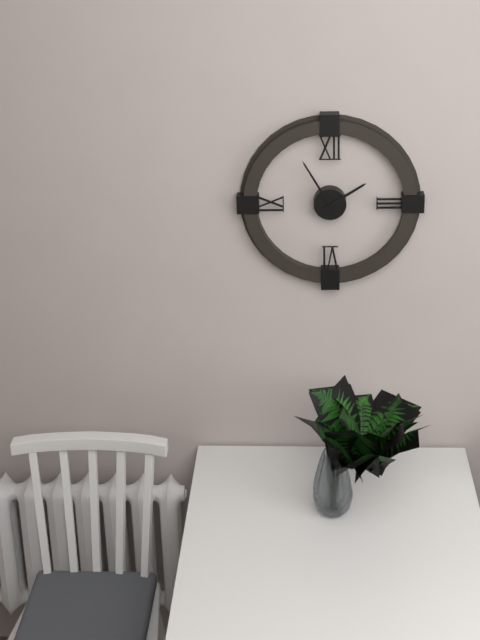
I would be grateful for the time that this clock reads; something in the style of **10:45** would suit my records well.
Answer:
**1:55**
